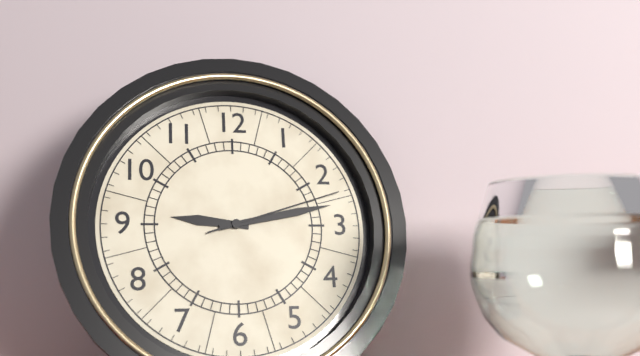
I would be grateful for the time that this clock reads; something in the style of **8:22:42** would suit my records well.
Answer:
**9:13:12**
